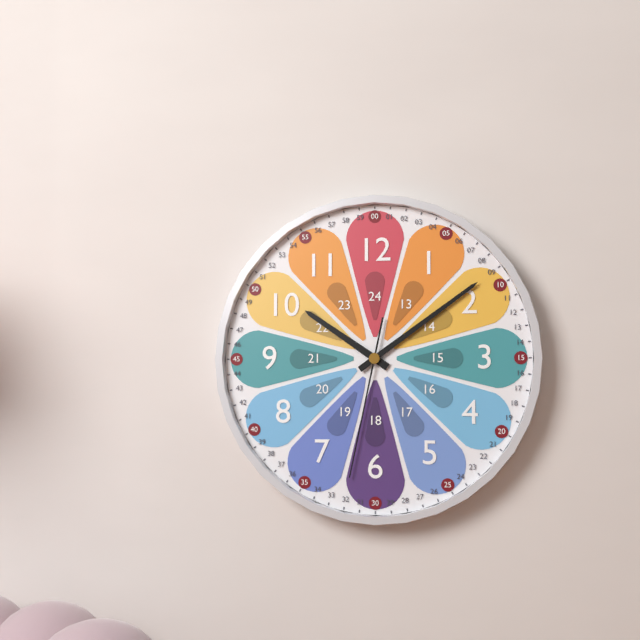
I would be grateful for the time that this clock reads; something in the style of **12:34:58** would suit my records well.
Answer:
**10:09:32**
